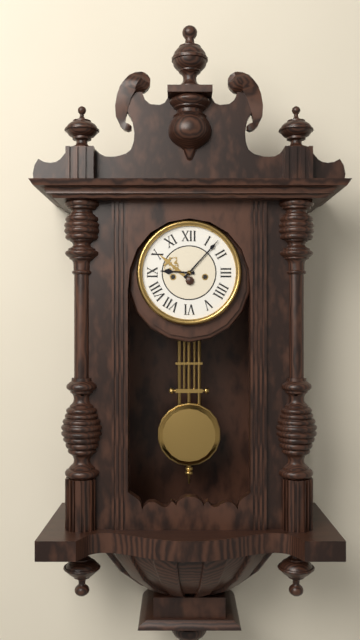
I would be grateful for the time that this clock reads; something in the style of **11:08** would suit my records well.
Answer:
**9:07**
